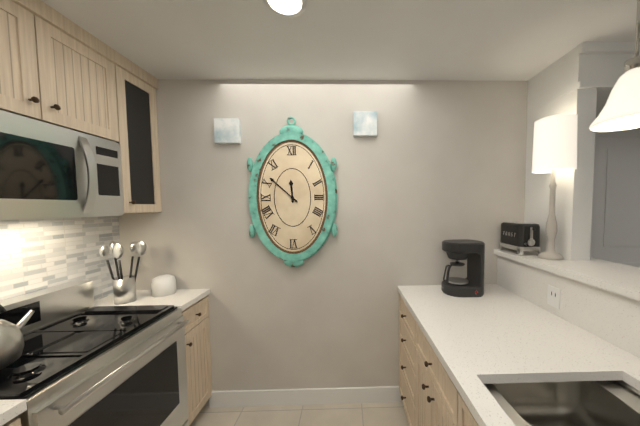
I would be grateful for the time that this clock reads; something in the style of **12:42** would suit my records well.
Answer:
**11:52**
